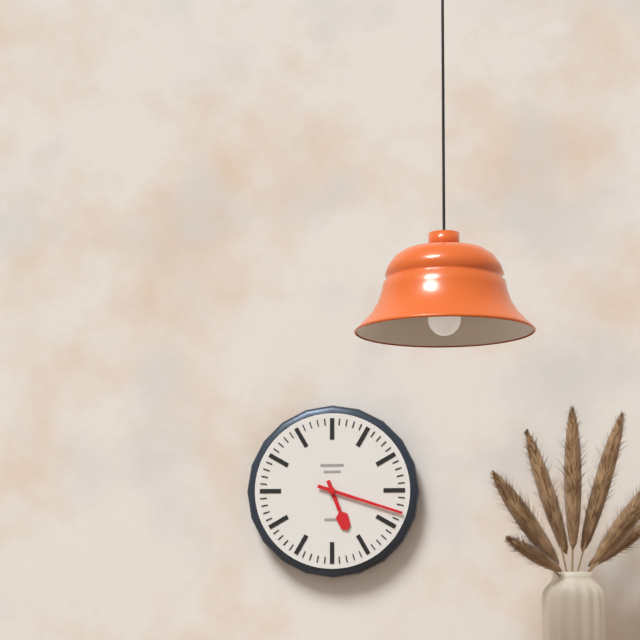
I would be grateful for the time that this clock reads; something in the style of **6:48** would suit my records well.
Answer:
**5:18**
